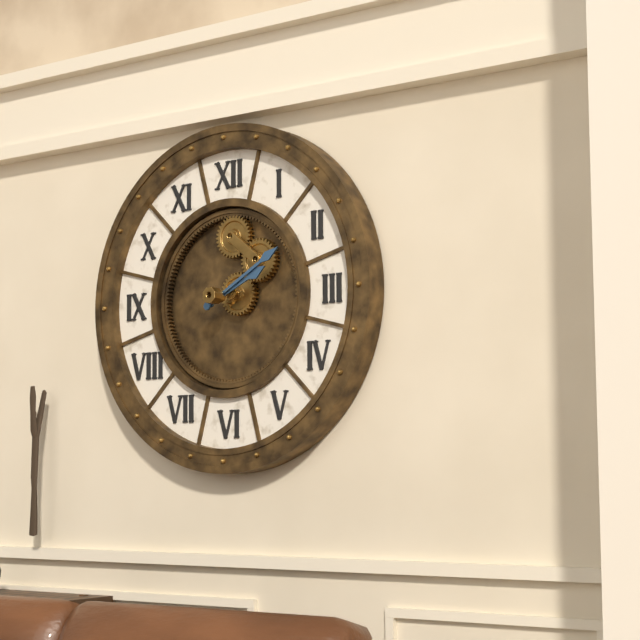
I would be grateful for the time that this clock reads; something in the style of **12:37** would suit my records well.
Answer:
**2:10**
